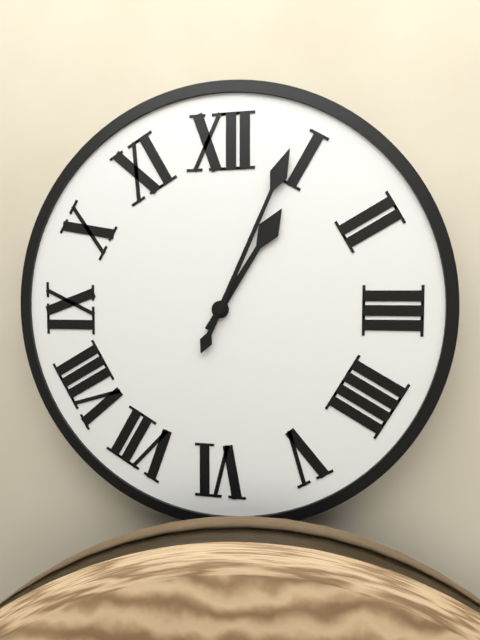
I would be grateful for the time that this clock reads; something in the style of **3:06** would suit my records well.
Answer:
**1:04**
